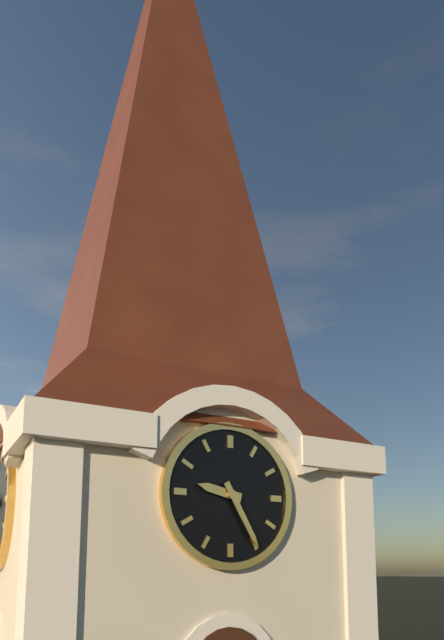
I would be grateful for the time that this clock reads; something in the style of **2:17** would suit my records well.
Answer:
**9:25**
